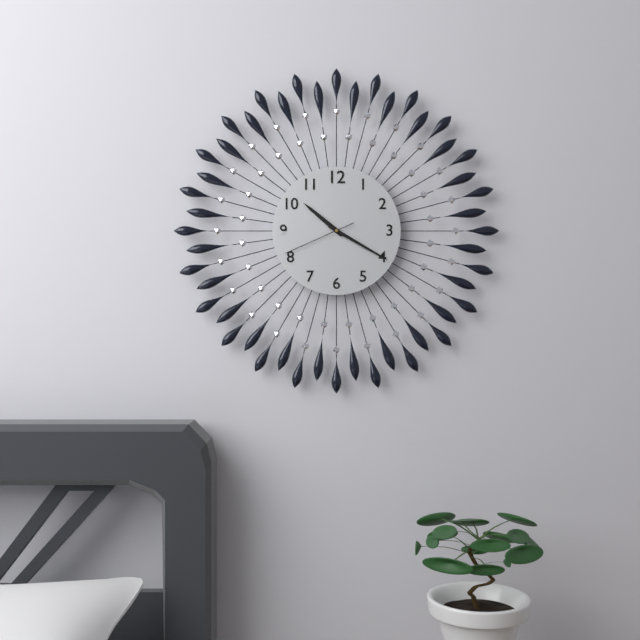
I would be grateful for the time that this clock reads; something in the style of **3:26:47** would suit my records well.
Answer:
**10:20:41**
